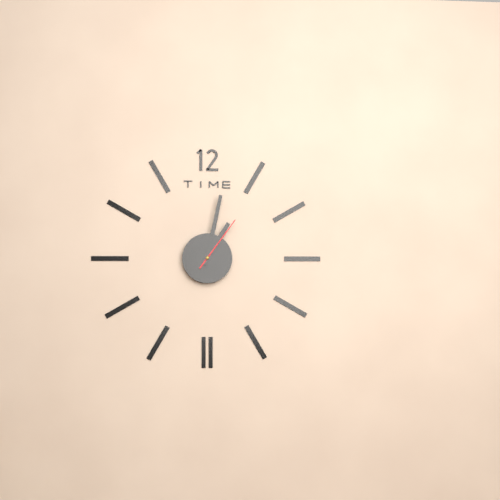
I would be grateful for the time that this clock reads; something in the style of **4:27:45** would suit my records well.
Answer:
**1:02:06**
